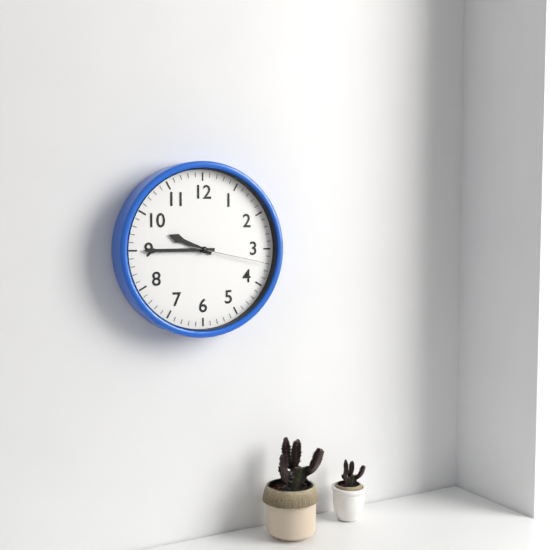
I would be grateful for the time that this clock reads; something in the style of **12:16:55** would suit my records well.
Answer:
**9:45:17**
